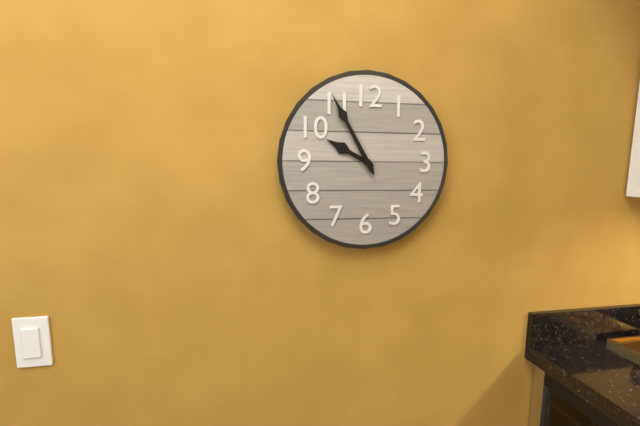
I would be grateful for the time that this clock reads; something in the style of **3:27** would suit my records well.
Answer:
**9:55**
